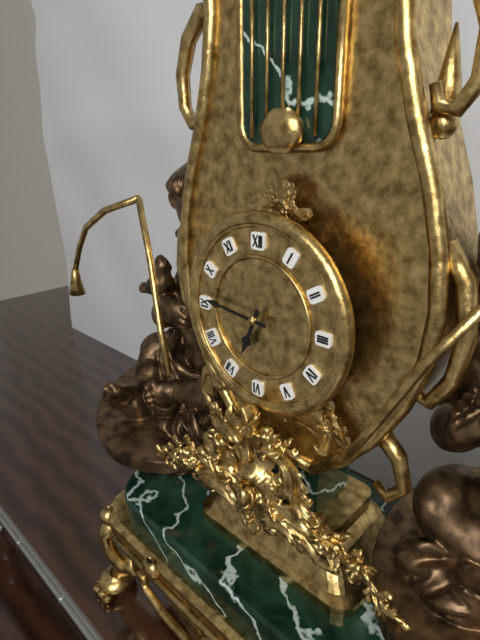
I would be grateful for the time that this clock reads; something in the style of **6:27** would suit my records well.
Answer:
**6:46**
